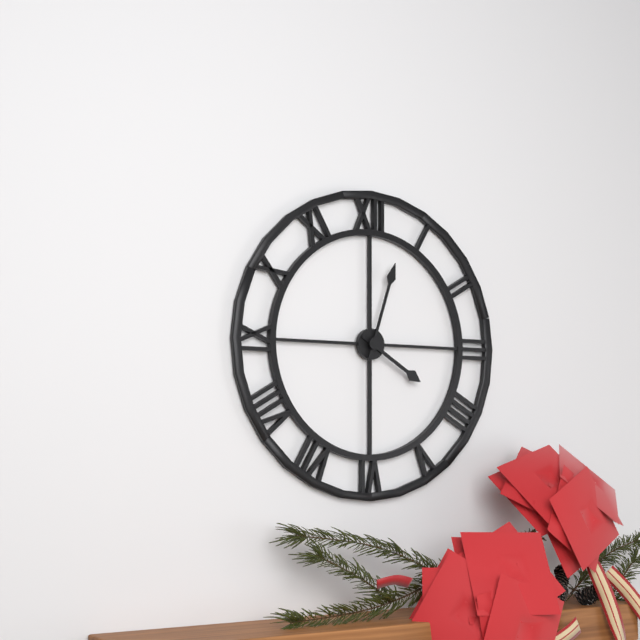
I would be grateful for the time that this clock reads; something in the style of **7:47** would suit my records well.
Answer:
**4:03**
